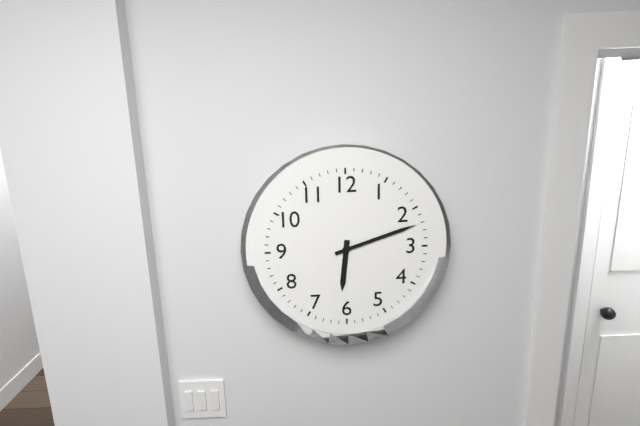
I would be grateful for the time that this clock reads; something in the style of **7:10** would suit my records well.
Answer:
**6:12**
